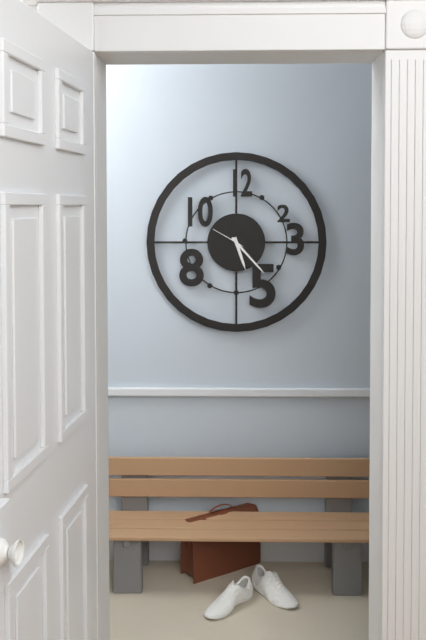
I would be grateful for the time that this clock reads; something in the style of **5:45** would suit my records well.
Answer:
**5:23**
